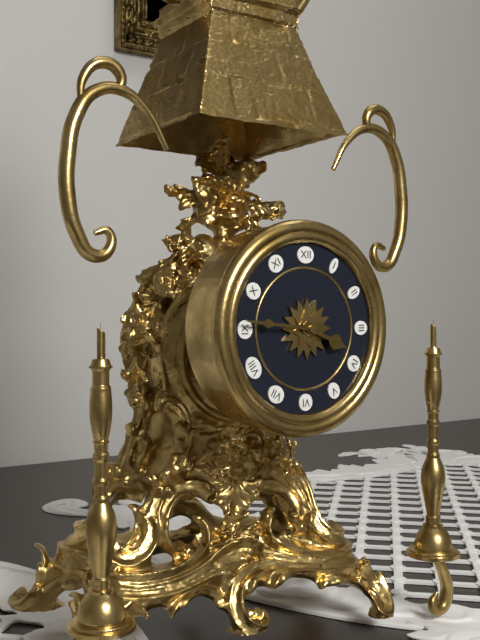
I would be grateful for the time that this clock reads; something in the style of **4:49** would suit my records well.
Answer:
**3:46**
